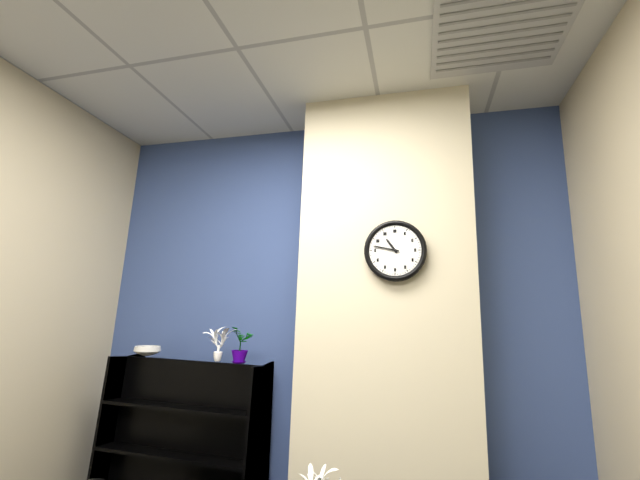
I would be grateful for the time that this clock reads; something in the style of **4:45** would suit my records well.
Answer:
**10:47**
